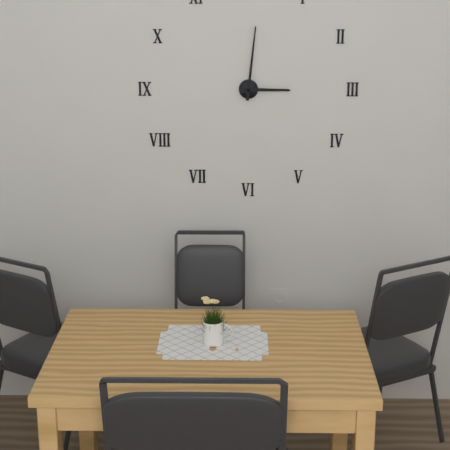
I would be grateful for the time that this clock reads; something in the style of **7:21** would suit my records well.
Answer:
**3:01**
